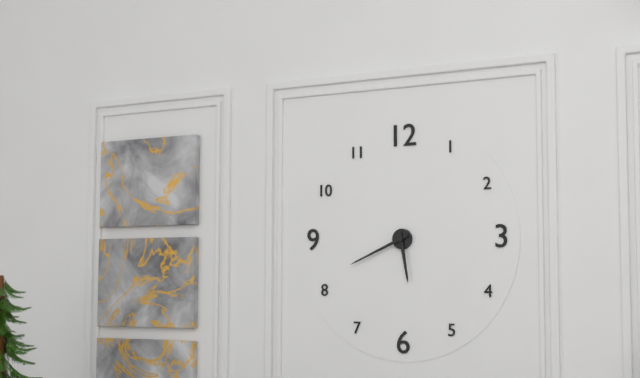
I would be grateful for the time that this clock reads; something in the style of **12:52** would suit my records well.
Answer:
**5:41**
